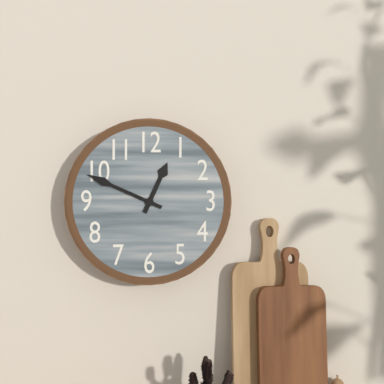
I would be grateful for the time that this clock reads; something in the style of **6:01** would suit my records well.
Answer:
**12:49**
